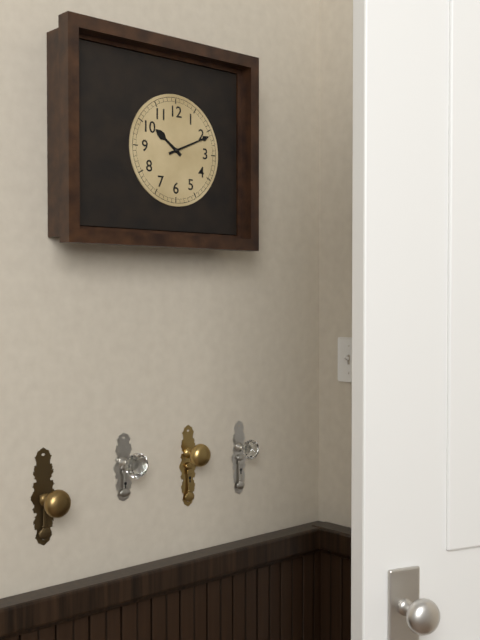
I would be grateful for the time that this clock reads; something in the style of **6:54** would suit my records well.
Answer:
**10:11**
